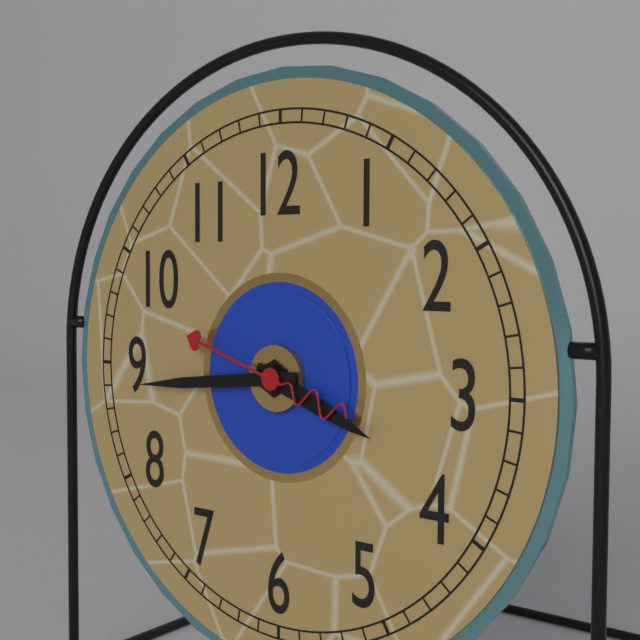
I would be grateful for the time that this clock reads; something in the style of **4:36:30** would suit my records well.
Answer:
**3:44:48**
